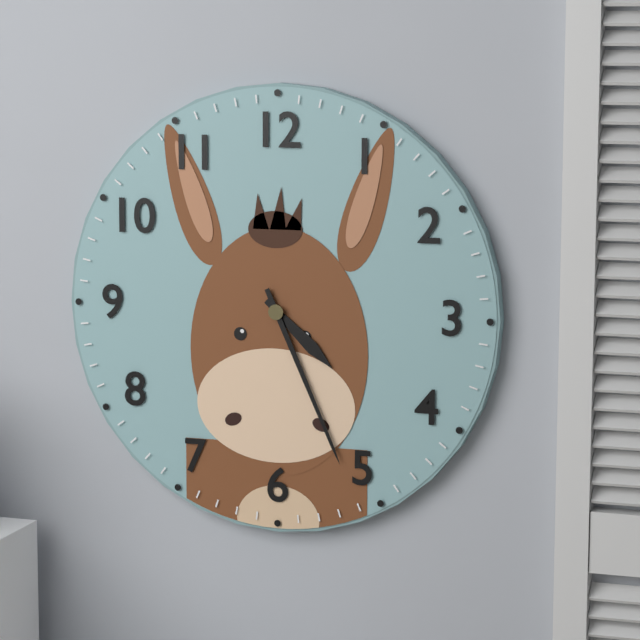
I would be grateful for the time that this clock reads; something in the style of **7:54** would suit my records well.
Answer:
**4:26**
